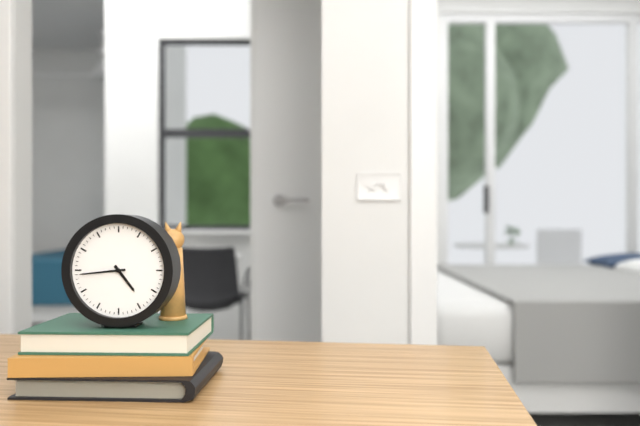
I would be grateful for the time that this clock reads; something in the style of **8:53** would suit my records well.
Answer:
**4:44**
